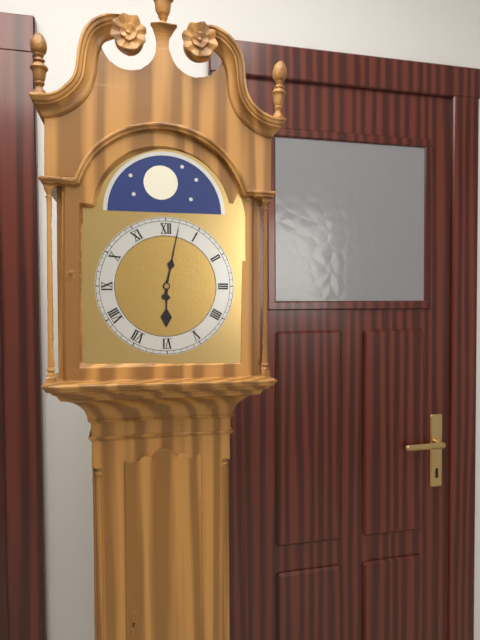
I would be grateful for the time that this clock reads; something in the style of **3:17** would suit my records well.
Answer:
**6:02**
